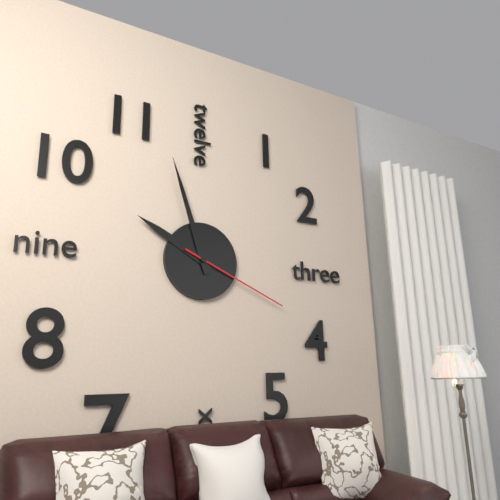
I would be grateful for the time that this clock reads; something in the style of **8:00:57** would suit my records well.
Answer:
**9:57:19**
